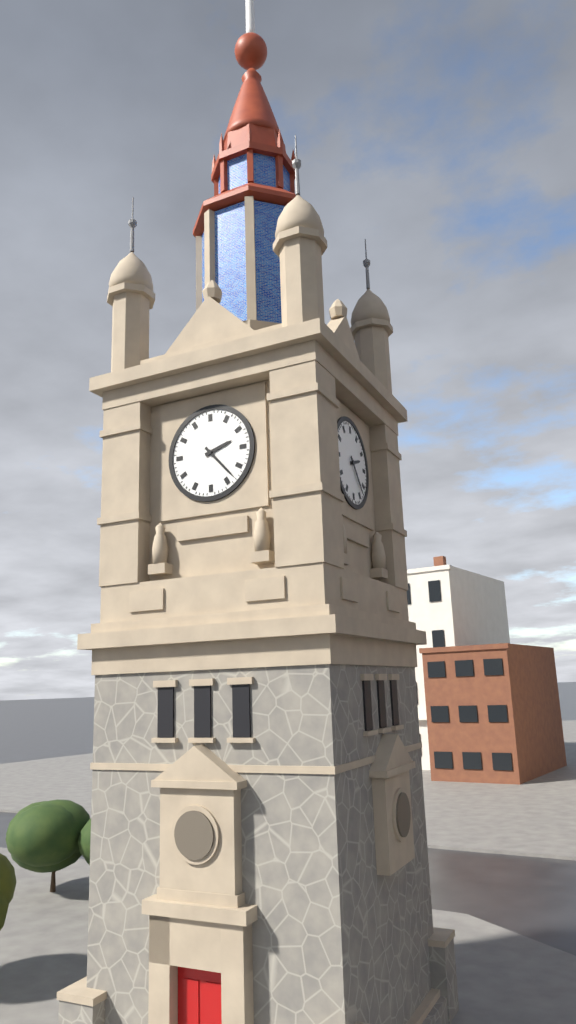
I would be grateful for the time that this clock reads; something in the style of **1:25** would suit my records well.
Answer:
**2:23**
